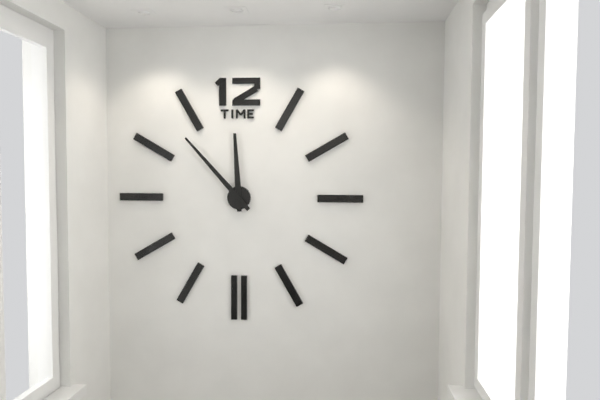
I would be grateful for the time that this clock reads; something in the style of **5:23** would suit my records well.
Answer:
**11:53**
